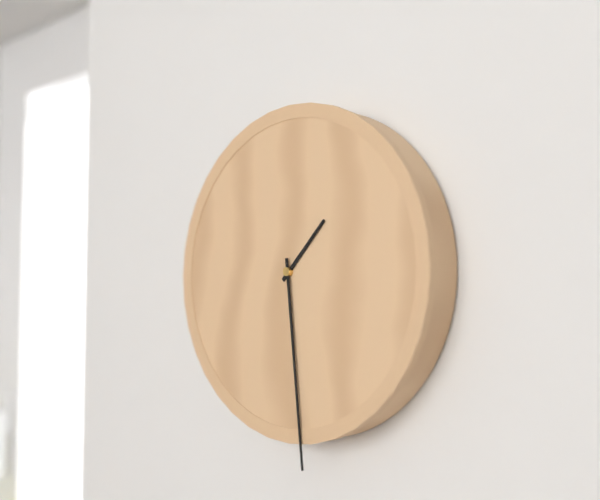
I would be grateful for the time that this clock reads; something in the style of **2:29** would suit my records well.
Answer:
**1:29**
